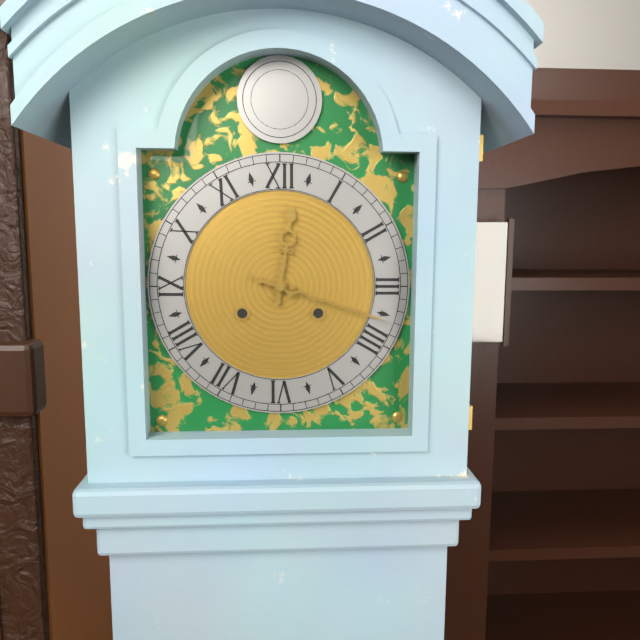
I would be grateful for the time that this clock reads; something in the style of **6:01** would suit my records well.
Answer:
**12:18**
